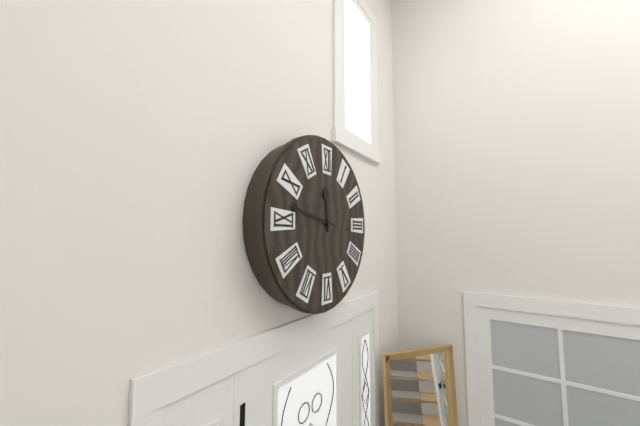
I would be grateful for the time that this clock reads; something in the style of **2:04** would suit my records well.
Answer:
**11:47**
